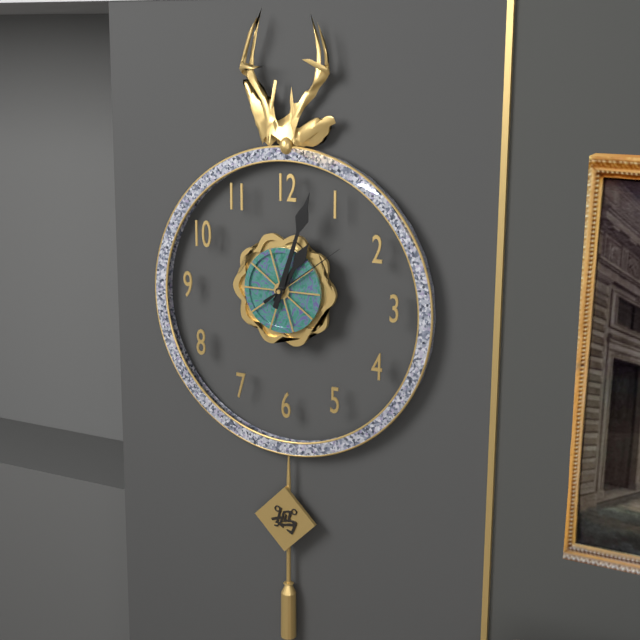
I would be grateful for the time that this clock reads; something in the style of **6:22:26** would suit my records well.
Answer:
**1:03:09**
